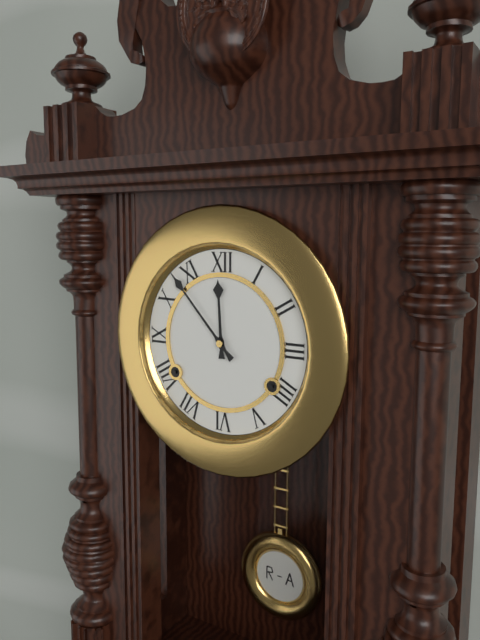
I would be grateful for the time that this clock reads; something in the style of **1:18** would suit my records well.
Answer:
**11:53**
